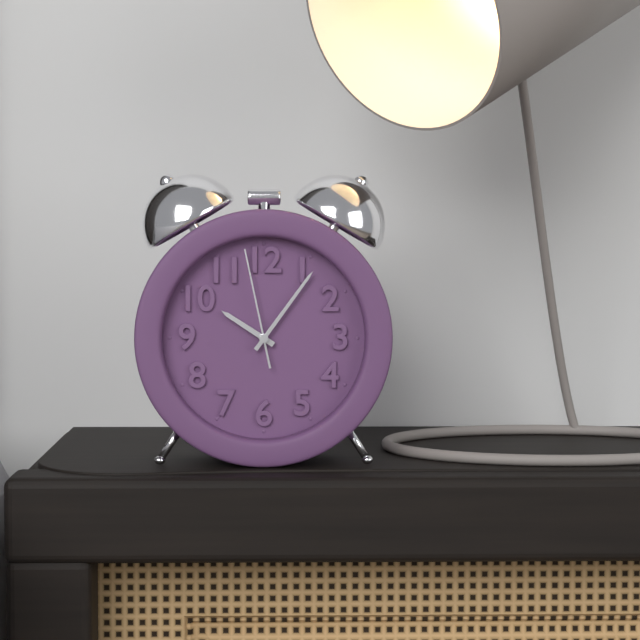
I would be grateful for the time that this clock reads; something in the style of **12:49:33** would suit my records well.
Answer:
**10:06:58**
